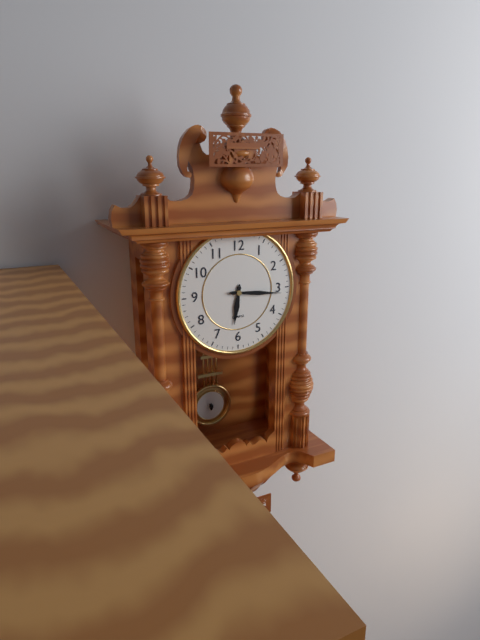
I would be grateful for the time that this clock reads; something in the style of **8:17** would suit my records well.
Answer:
**6:16**
